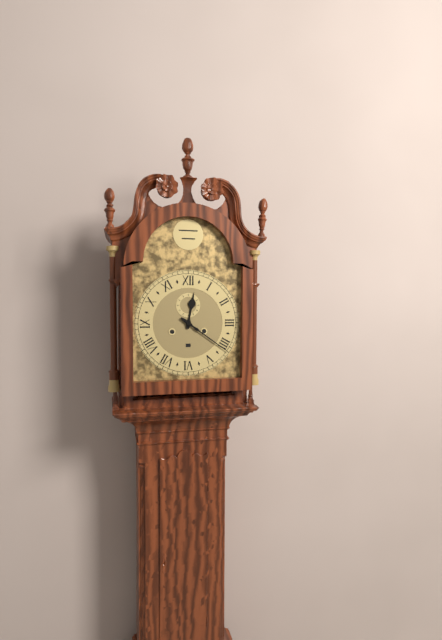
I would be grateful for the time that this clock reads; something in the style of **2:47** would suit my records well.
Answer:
**12:21**
